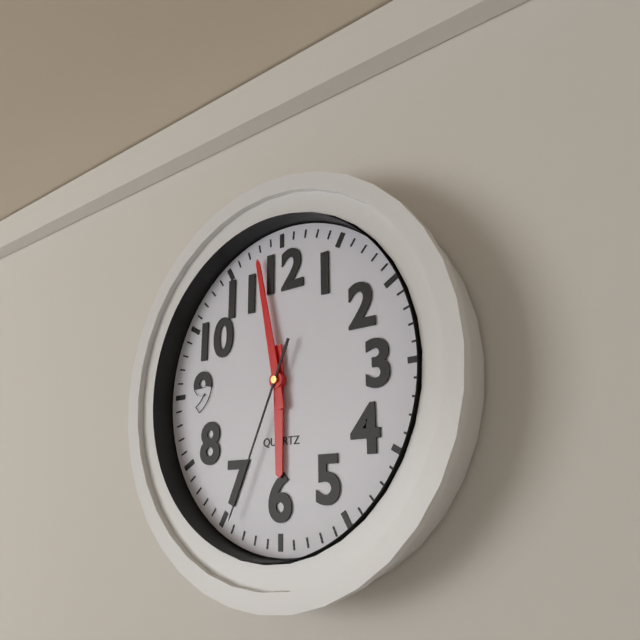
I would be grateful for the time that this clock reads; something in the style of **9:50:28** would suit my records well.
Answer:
**5:58:34**
